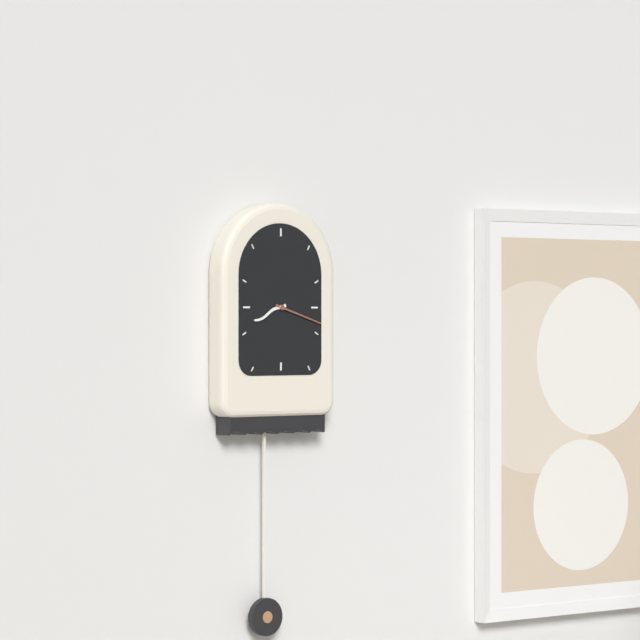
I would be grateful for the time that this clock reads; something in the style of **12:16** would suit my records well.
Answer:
**8:18**
